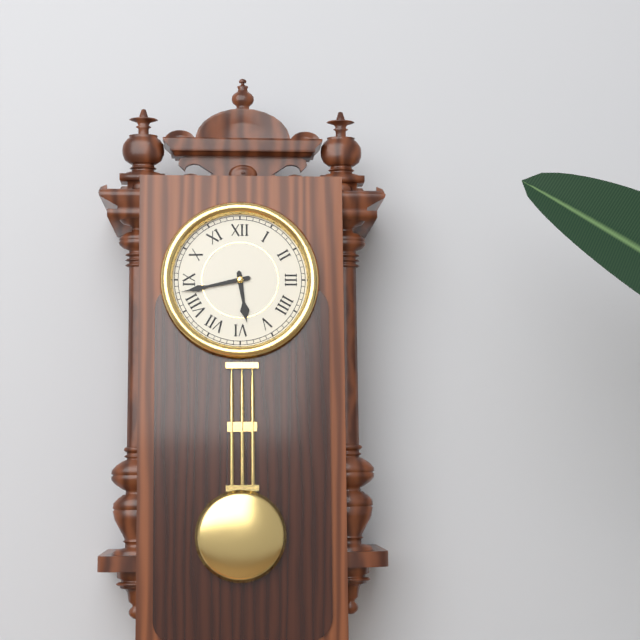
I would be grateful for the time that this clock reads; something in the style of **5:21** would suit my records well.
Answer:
**5:43**
